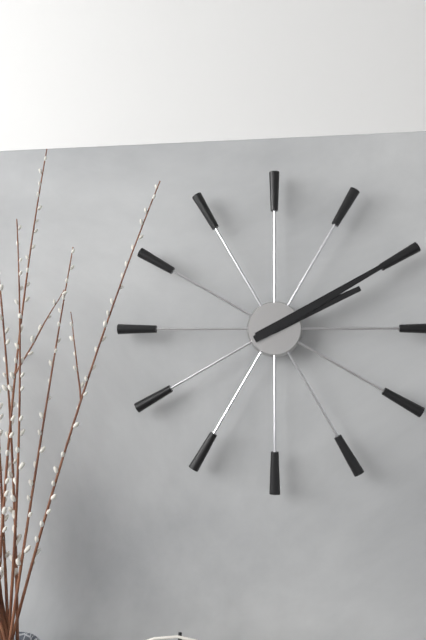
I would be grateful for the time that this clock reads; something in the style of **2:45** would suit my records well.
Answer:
**2:10**
